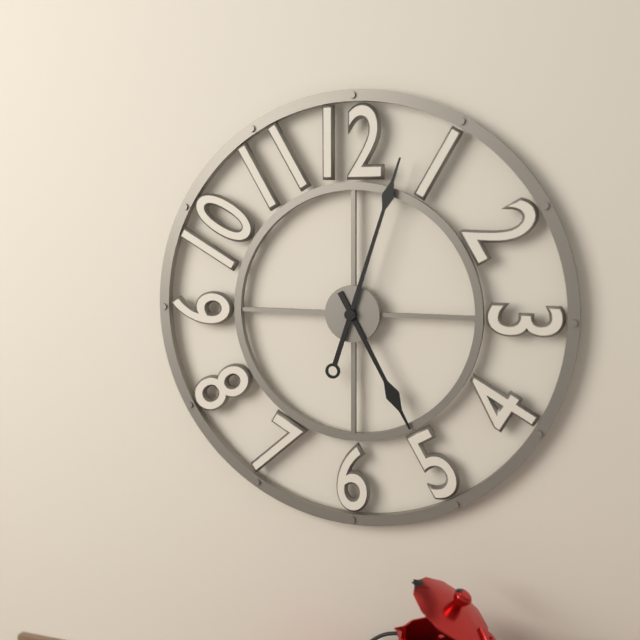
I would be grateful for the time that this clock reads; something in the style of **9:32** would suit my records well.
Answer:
**5:03**
